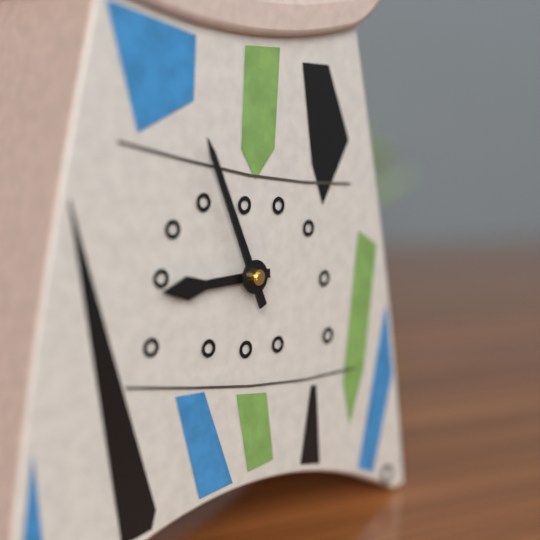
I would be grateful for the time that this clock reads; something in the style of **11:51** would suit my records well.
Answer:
**8:56**
